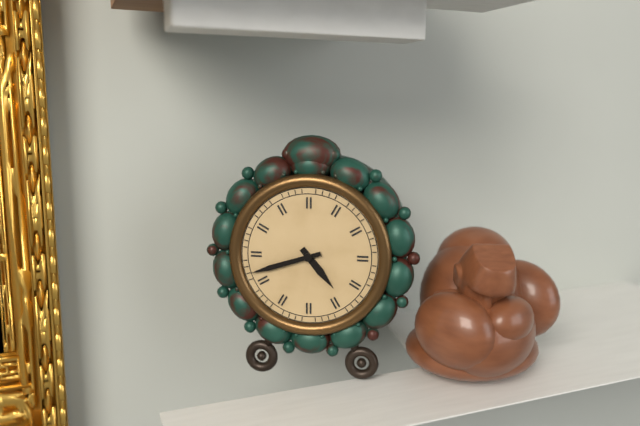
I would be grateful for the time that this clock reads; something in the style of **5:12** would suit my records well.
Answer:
**4:42**
